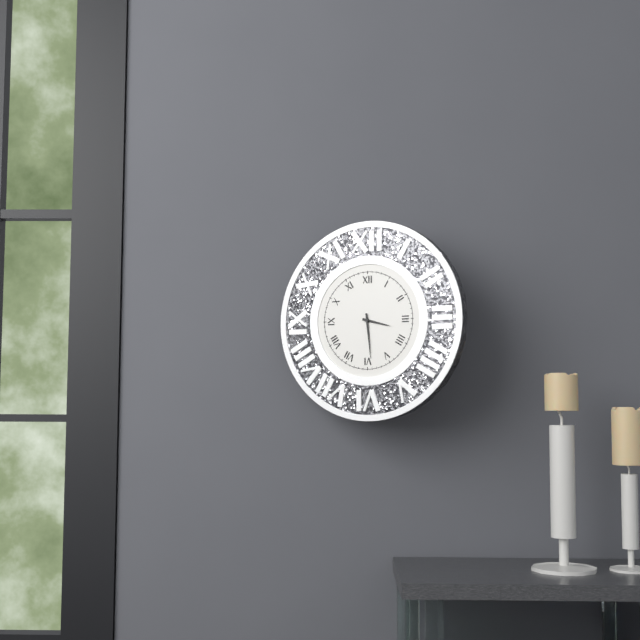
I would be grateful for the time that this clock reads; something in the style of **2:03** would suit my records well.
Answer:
**3:29**
